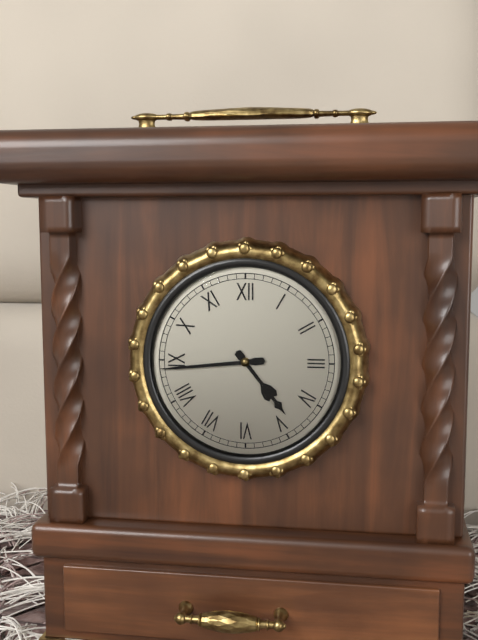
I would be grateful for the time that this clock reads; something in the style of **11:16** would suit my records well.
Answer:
**4:44**
